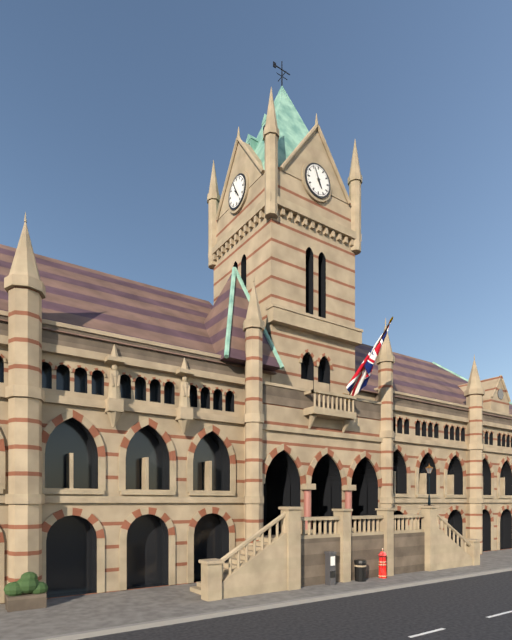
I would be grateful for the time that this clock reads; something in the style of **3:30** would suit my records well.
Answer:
**4:56**
